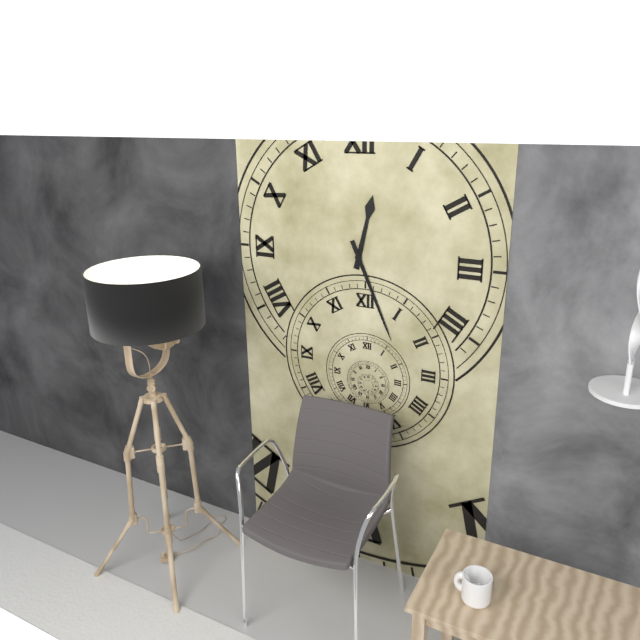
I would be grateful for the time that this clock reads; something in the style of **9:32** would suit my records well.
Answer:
**12:26**
